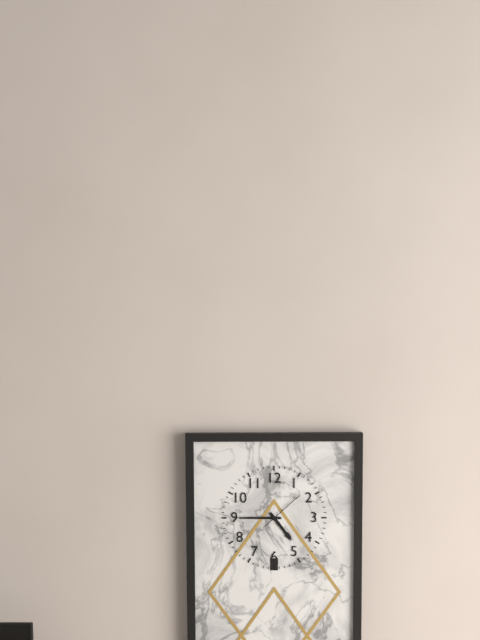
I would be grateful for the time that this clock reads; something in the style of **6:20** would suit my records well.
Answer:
**4:45**
